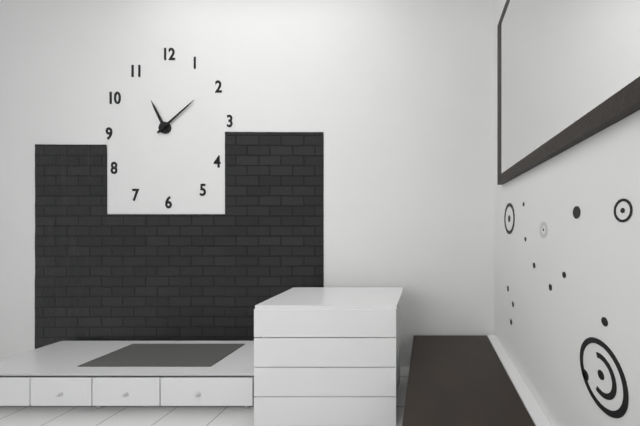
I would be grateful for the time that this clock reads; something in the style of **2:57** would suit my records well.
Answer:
**11:08**
